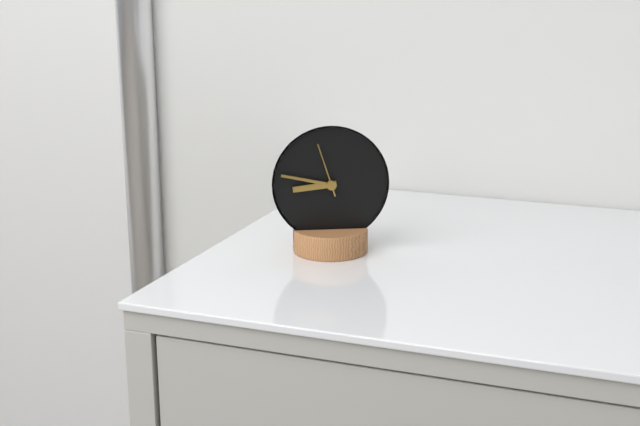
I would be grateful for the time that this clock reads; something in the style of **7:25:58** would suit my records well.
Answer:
**8:47:57**
